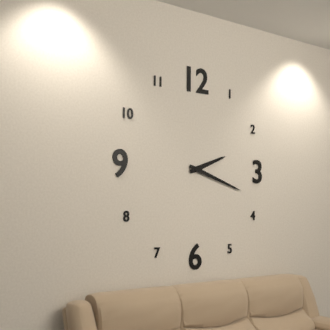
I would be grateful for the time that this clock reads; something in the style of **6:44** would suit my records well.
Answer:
**2:18**
